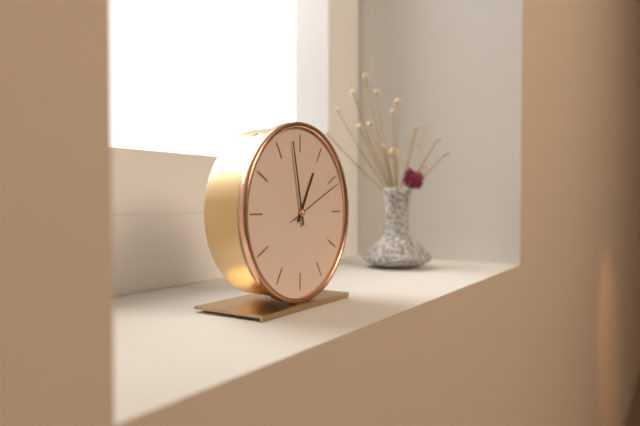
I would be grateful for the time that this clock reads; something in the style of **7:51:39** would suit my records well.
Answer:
**12:58:11**
